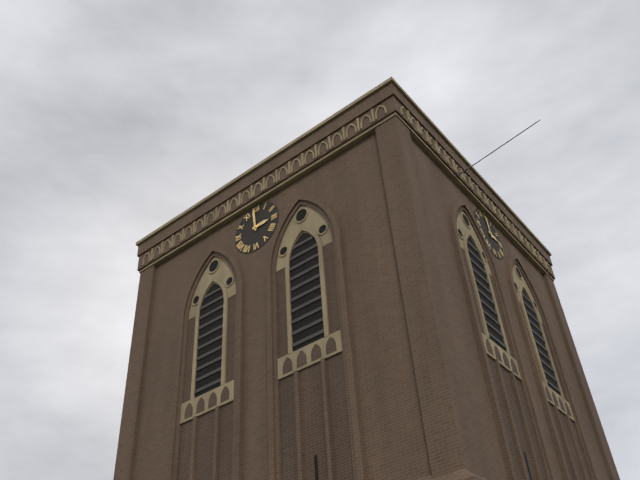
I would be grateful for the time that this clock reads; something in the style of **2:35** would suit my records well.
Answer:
**2:59**
